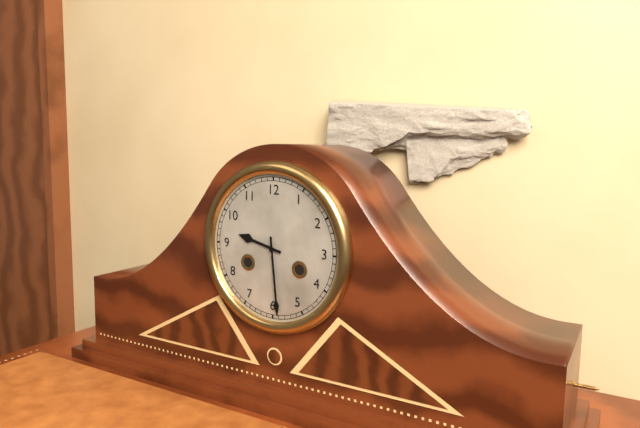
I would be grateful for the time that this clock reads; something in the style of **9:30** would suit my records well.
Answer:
**9:29**
